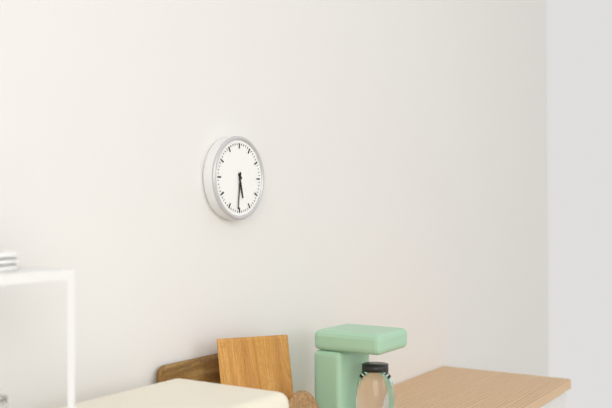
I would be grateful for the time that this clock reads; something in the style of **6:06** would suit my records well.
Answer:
**5:31**
